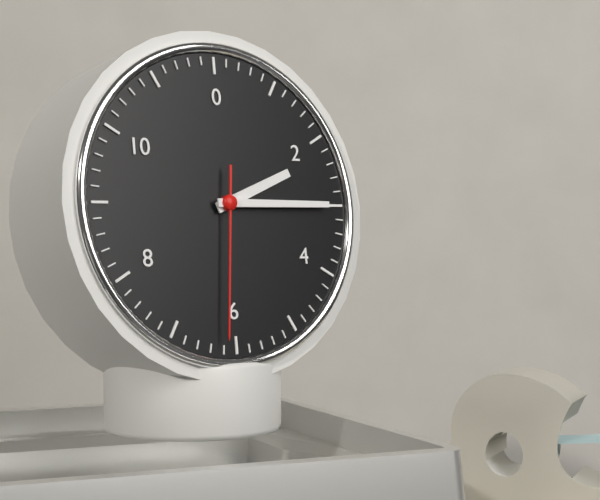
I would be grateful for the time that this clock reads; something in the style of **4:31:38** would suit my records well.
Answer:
**2:15:31**
